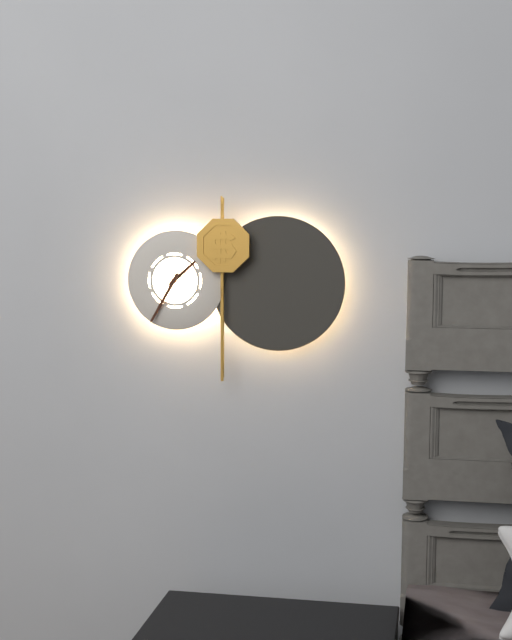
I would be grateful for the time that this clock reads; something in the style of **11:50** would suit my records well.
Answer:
**1:35**
